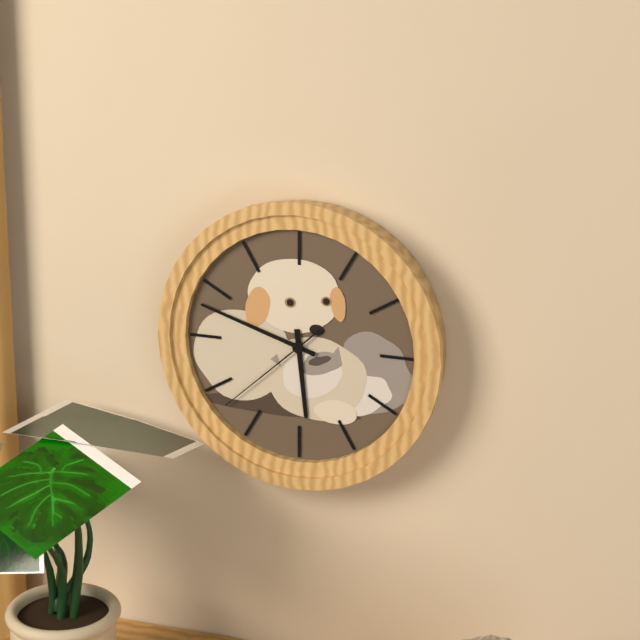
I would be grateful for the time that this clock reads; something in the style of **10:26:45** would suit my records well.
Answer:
**5:48:38**
